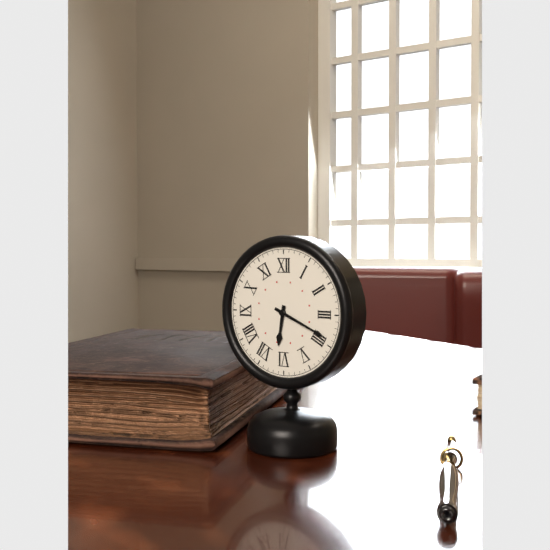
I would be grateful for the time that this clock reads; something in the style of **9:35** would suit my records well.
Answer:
**6:19**
